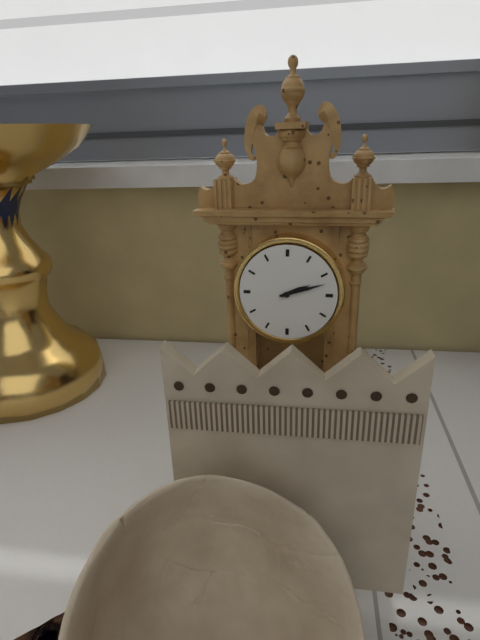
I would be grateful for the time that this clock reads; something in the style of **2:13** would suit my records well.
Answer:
**2:12**
